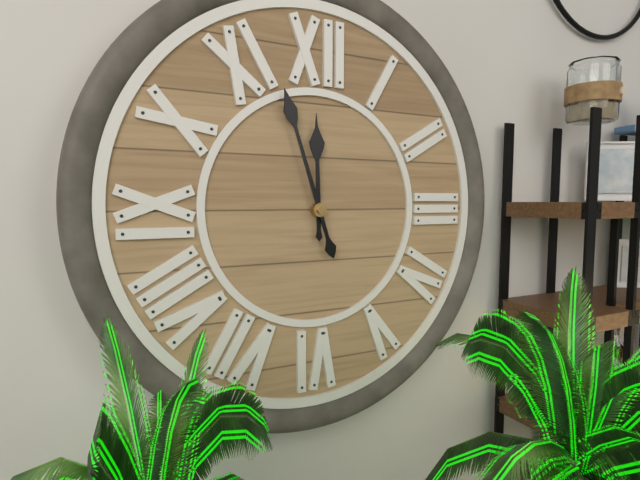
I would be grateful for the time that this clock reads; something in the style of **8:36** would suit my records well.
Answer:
**11:57**
